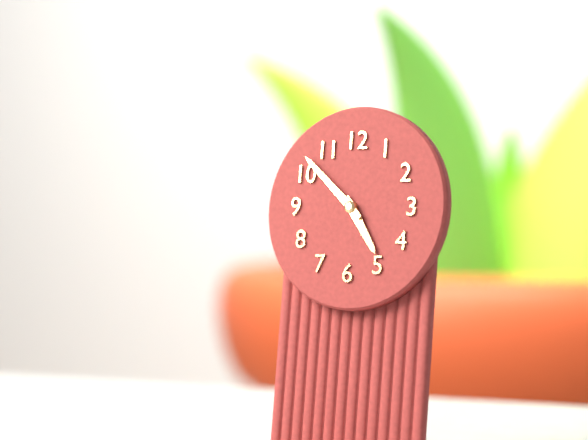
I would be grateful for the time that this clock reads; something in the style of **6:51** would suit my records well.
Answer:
**4:52**
